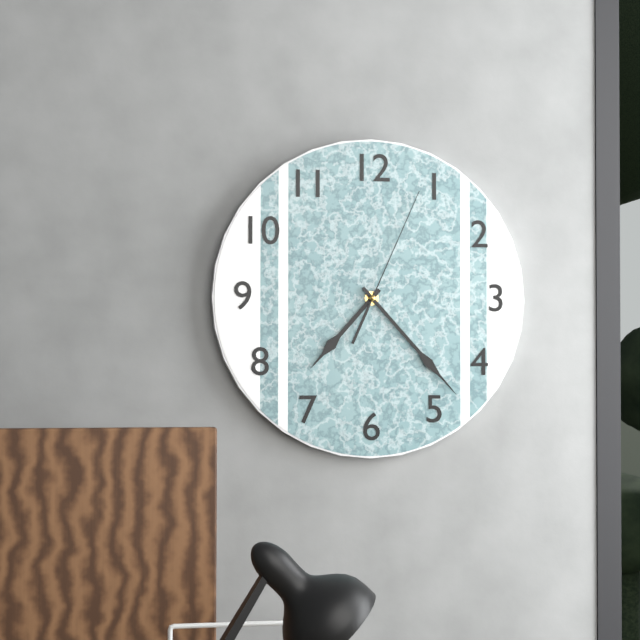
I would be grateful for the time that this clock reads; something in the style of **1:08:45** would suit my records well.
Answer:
**7:23:04**
